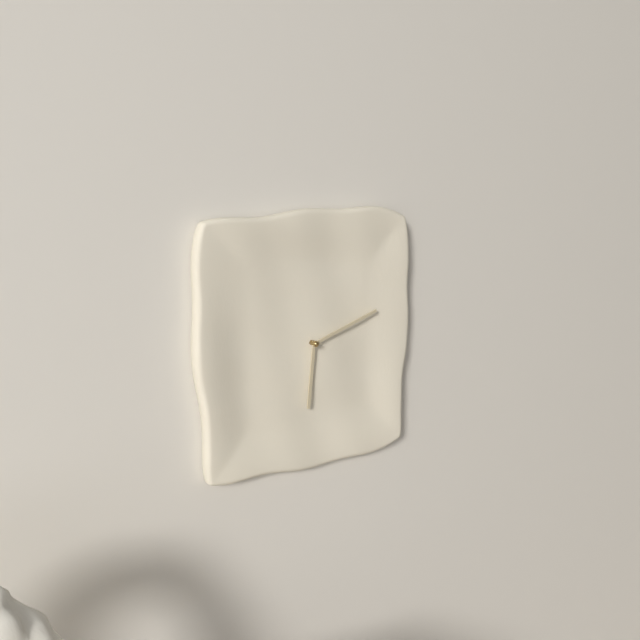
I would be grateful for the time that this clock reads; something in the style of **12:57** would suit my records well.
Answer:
**6:12**
